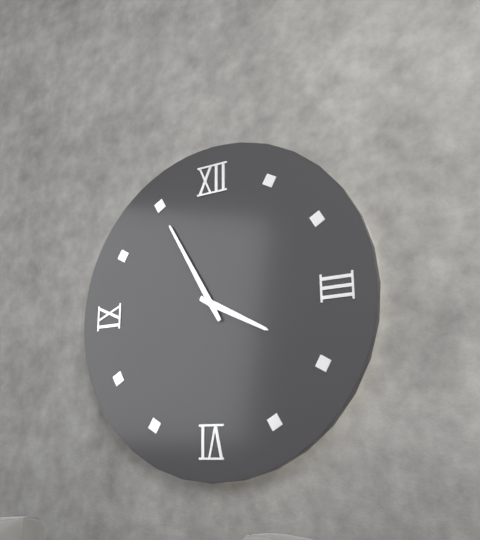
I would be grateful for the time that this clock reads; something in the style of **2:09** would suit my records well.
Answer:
**3:55**
